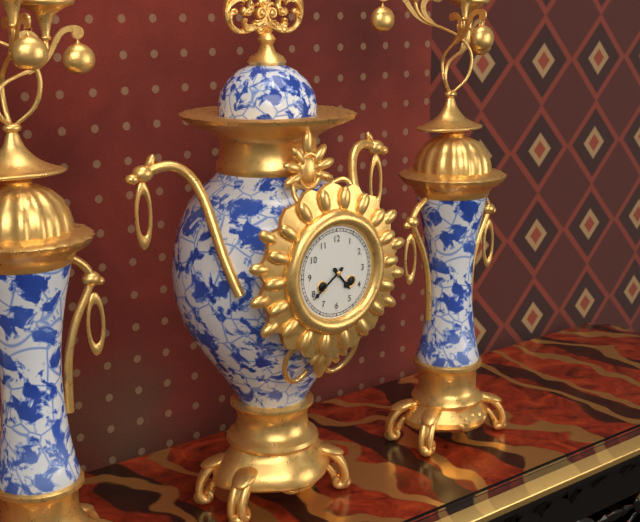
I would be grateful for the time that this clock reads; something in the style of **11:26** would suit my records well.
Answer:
**4:39**
